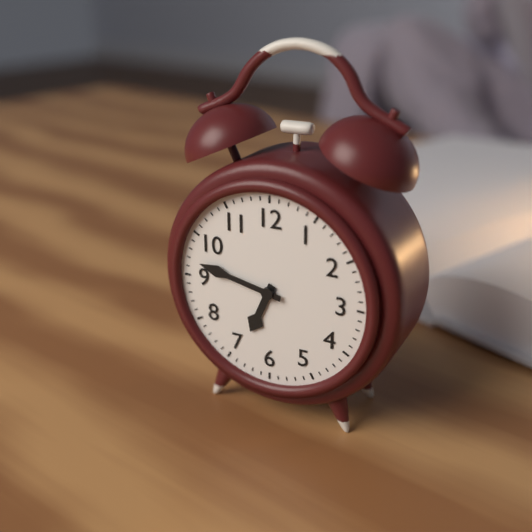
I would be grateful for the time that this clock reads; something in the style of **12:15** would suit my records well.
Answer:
**6:47**
